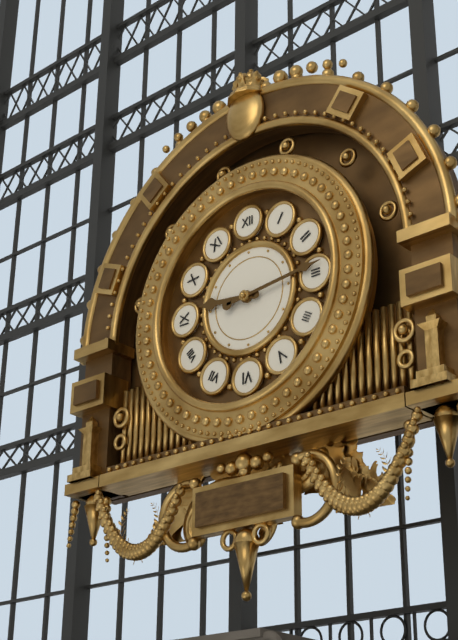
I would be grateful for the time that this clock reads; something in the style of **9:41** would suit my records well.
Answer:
**9:14**
